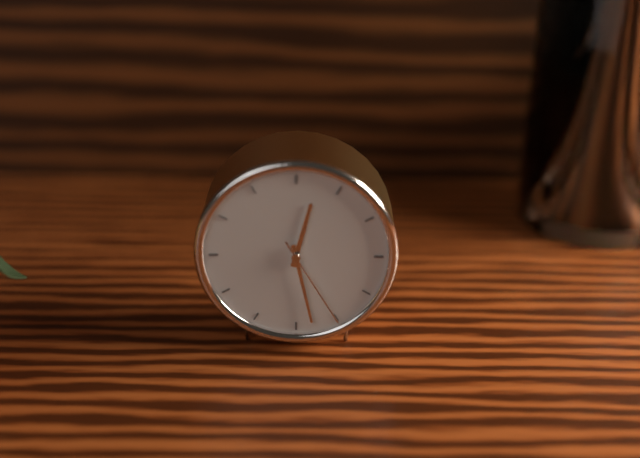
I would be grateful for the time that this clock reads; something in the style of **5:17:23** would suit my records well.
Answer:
**12:28:25**
